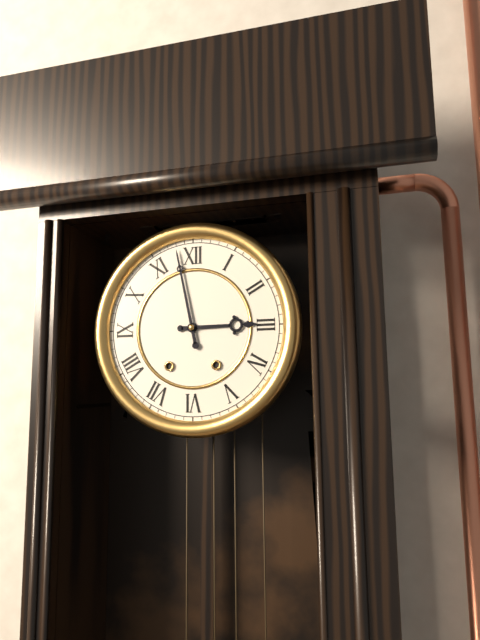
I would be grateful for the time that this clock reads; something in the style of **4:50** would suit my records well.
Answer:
**2:58**
